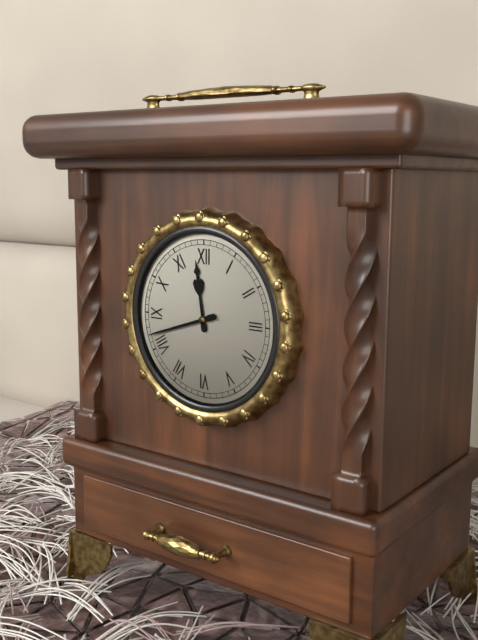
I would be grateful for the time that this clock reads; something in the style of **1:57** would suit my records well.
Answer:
**11:42**
